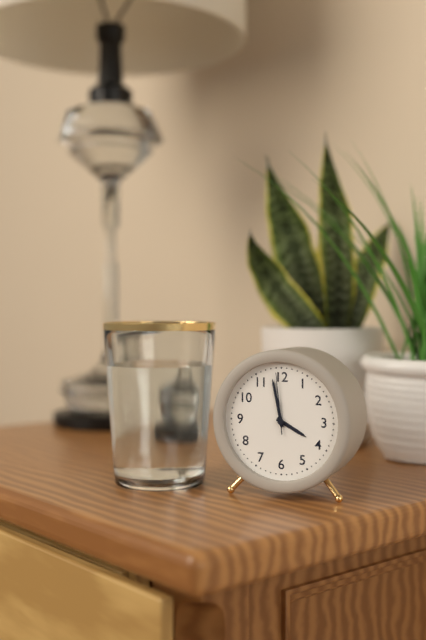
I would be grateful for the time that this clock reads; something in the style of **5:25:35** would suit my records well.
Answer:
**3:58:59**
